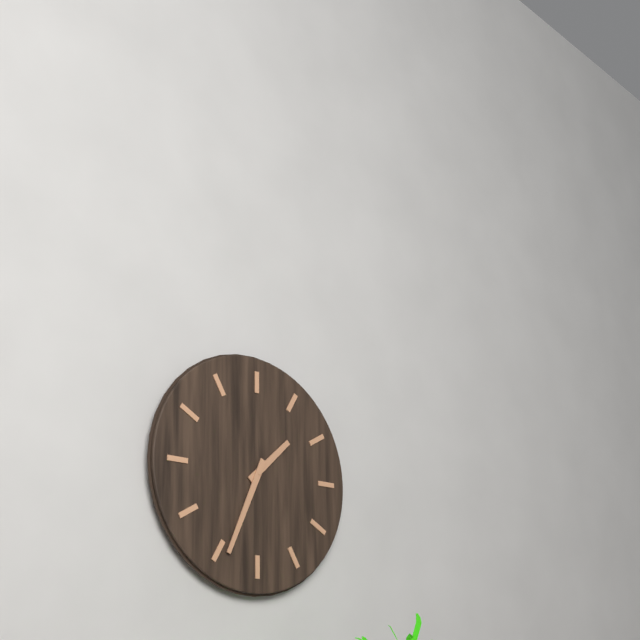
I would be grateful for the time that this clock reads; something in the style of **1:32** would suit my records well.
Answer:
**1:34**
